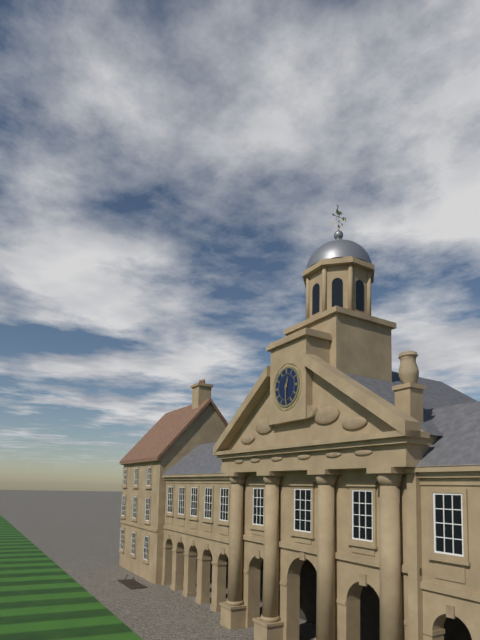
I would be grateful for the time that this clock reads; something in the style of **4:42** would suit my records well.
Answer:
**12:30**
